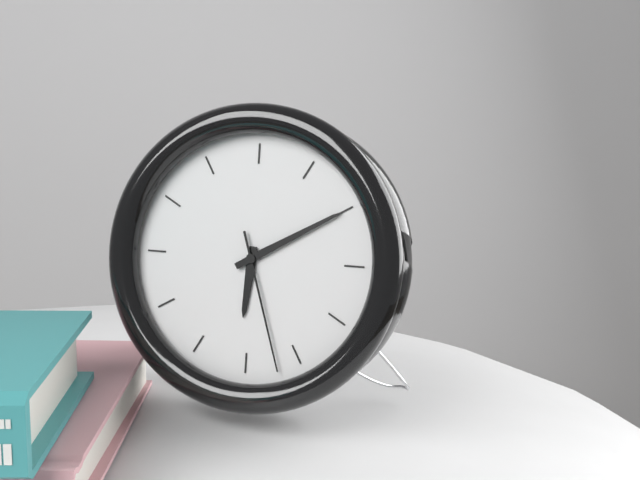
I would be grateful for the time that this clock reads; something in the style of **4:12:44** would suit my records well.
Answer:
**6:10:27**
